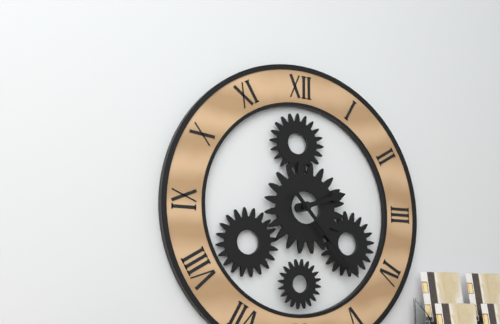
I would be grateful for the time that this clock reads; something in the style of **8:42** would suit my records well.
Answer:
**2:23**
